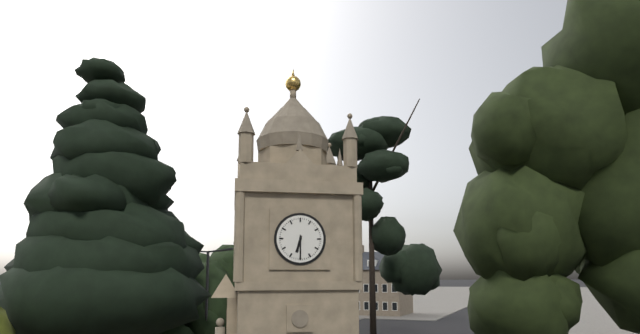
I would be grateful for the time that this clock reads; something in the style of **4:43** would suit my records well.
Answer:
**6:30**
